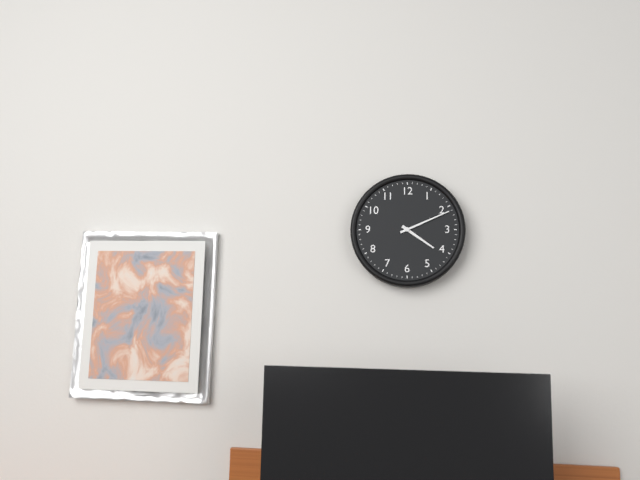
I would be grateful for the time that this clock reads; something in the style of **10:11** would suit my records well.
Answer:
**4:11**
